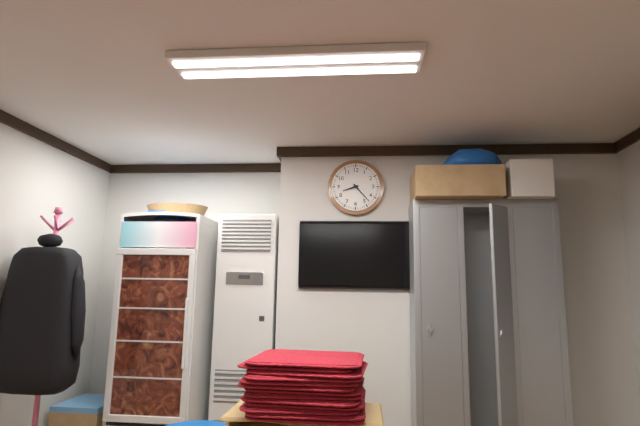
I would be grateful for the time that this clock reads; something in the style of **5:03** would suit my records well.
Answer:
**8:23**
